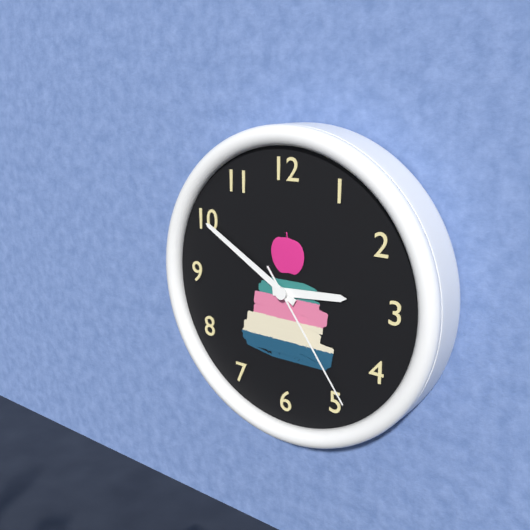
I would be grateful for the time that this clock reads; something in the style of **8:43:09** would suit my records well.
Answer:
**2:50:24**
